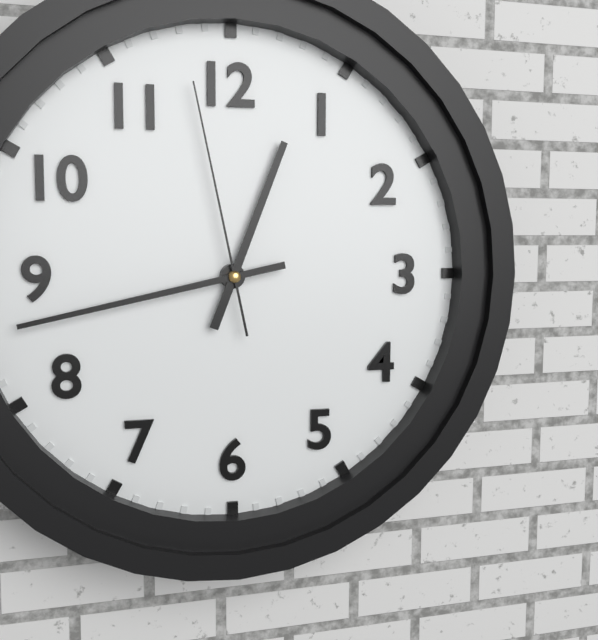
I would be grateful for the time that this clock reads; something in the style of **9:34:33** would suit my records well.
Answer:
**12:43:58**
